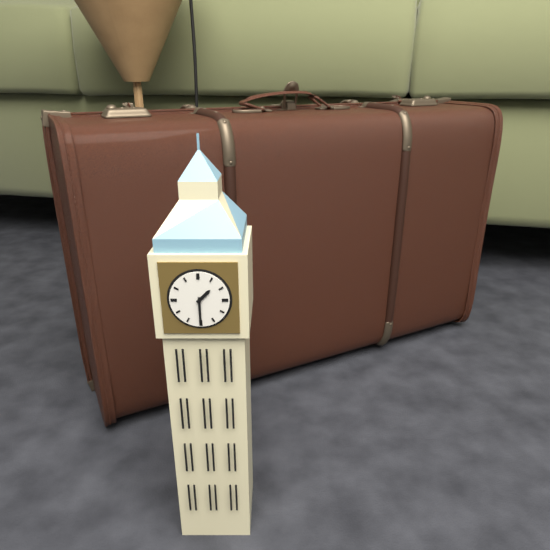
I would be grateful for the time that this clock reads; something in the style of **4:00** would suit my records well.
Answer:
**1:30**
